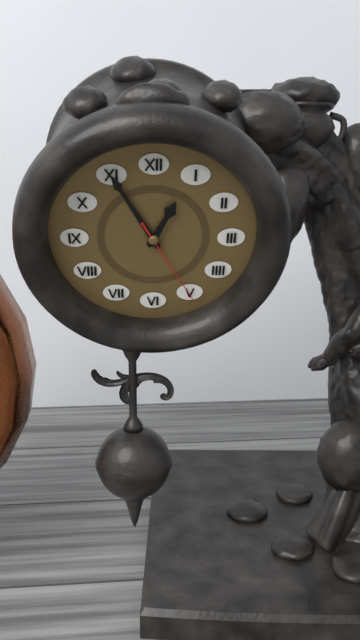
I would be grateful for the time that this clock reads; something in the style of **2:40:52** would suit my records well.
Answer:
**12:55:25**
